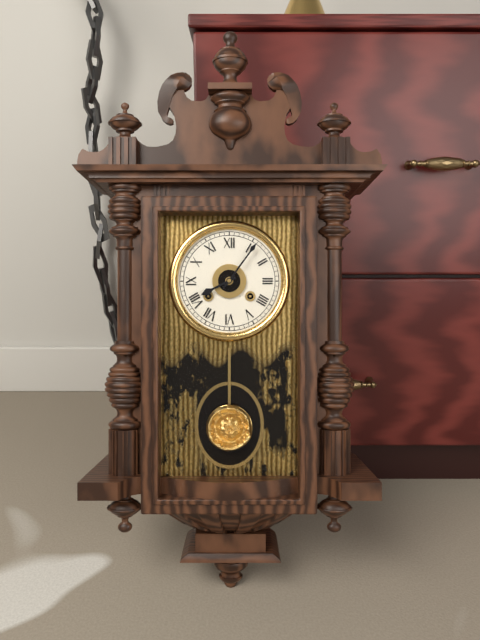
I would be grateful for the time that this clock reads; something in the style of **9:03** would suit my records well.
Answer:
**8:06**
